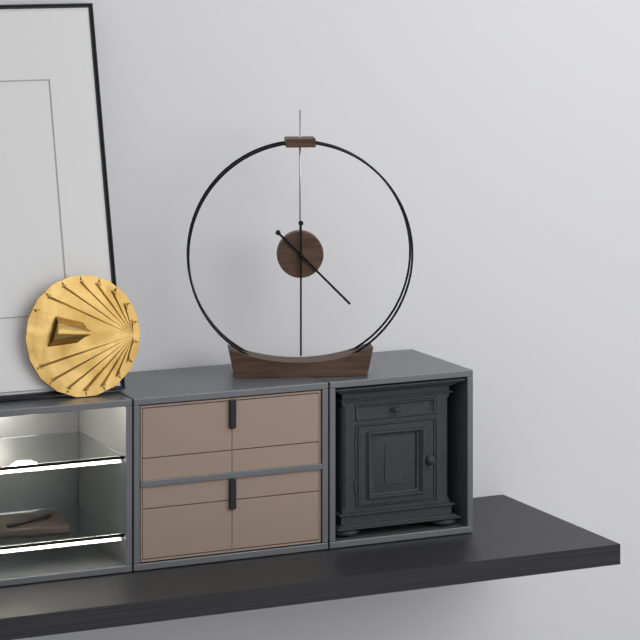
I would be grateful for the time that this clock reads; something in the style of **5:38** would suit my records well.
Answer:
**4:30**
